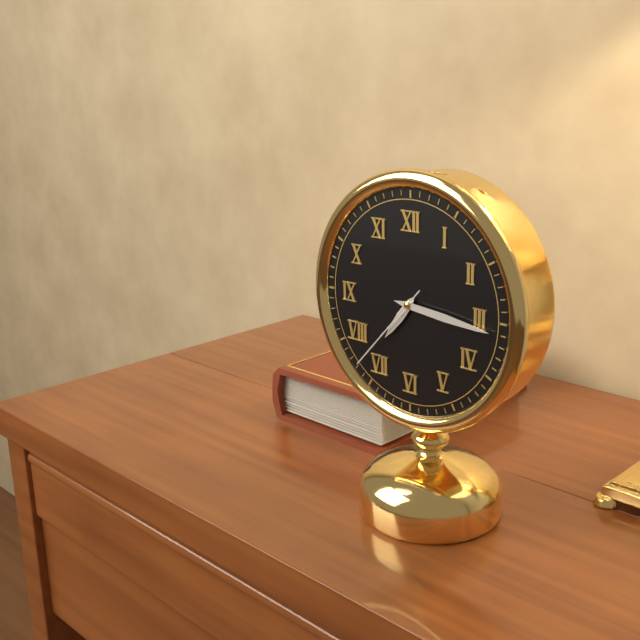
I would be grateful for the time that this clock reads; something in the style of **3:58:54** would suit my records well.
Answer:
**7:16:37**
